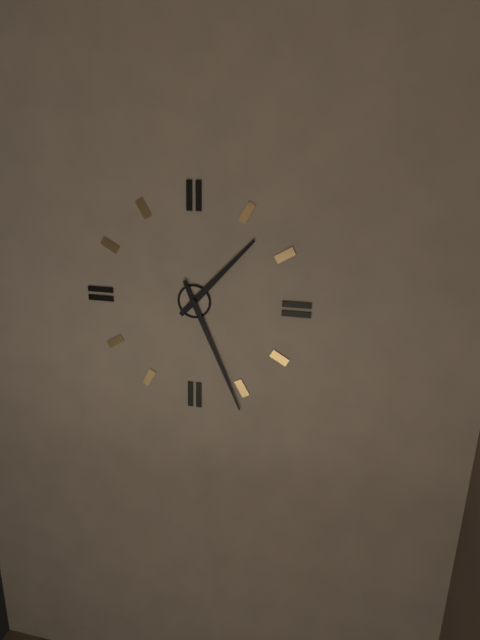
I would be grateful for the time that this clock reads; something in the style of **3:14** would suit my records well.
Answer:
**1:26**
